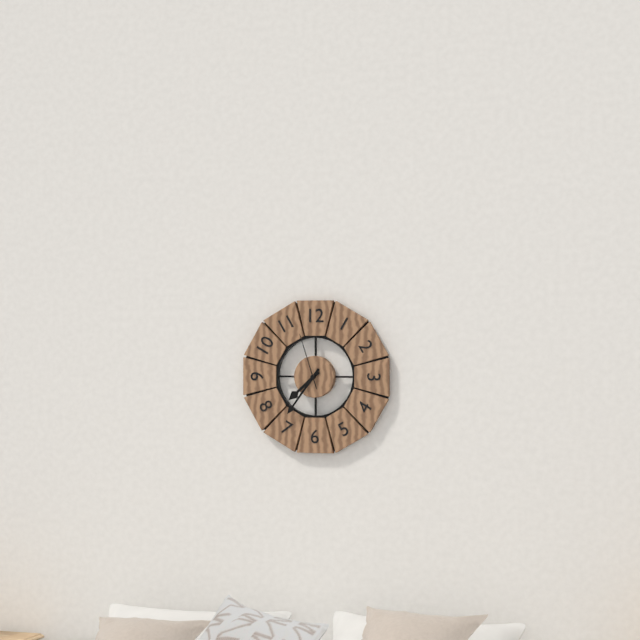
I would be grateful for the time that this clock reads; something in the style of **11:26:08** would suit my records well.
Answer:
**7:36:57**
